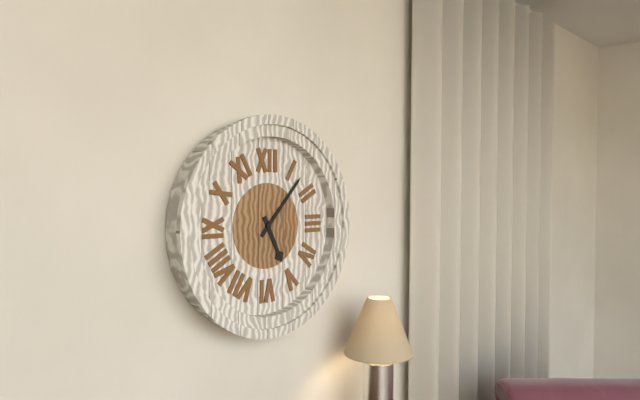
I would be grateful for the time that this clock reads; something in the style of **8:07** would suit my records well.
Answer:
**5:07**
